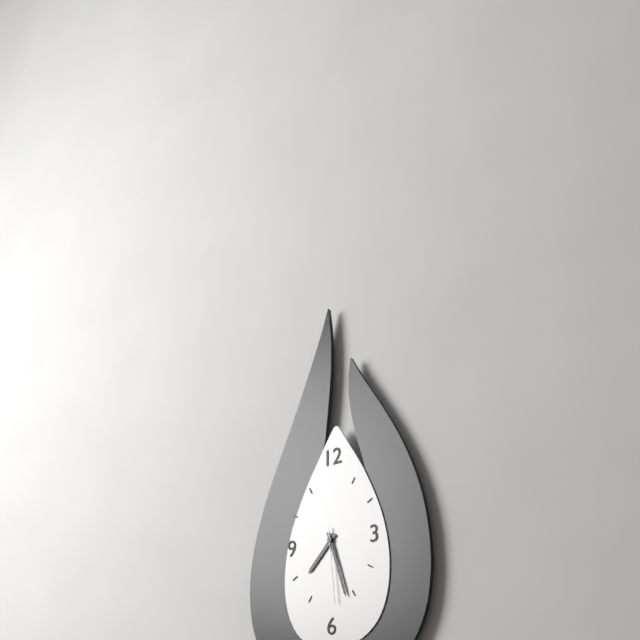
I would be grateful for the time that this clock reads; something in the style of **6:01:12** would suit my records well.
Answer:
**7:27:29**
